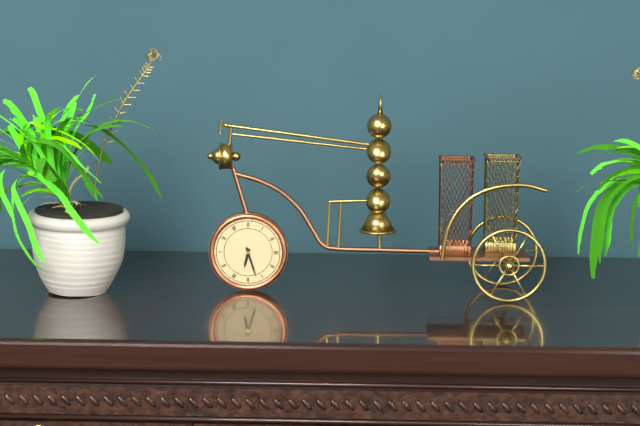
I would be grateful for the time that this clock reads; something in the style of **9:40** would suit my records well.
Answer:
**6:27**
